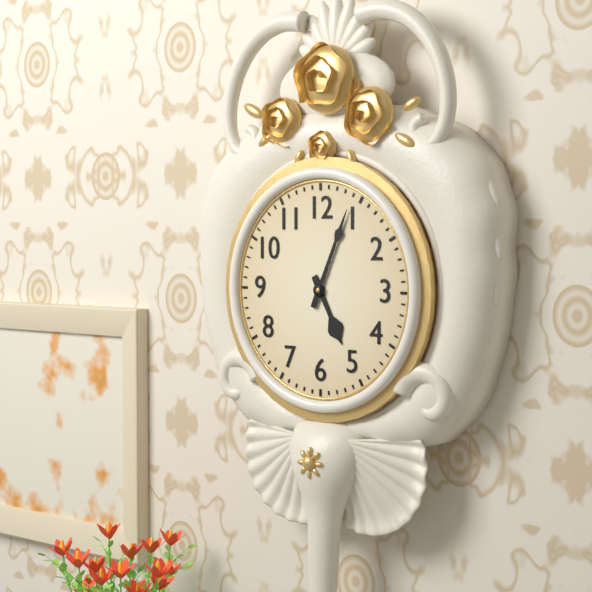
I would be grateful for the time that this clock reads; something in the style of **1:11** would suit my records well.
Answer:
**5:04**
